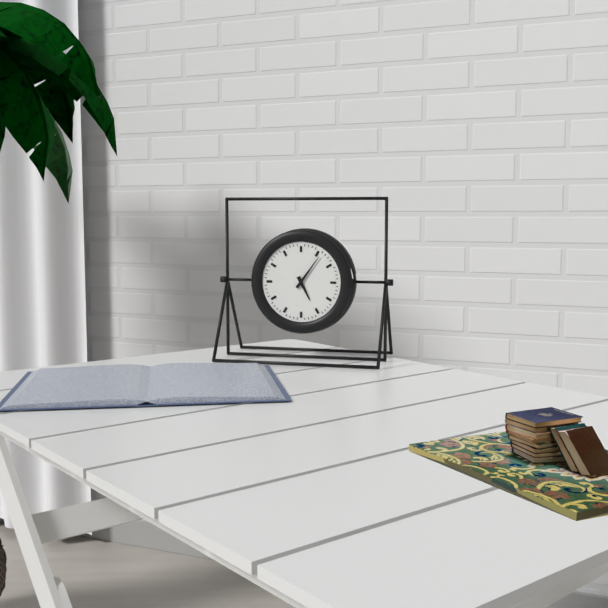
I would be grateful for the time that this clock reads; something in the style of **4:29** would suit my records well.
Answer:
**5:06**
